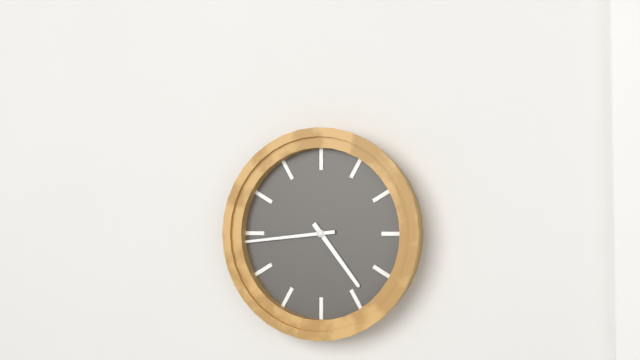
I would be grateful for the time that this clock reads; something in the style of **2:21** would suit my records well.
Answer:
**4:44**
